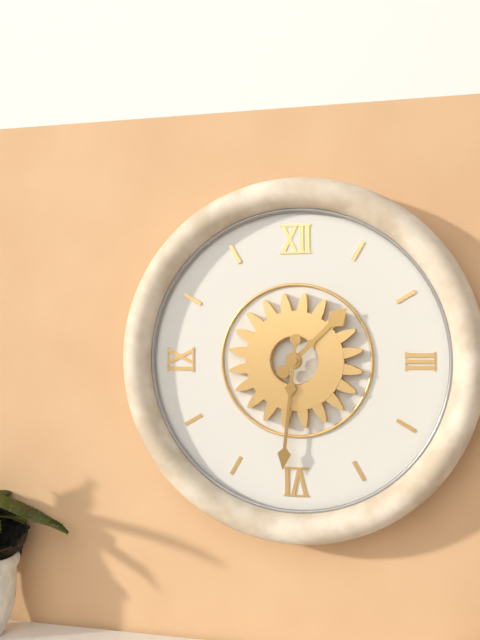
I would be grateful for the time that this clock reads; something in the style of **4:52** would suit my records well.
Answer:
**1:31**
